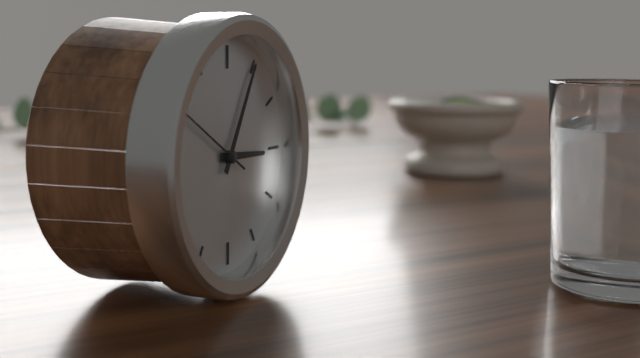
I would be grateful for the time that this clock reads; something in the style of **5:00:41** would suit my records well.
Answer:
**3:05:50**
